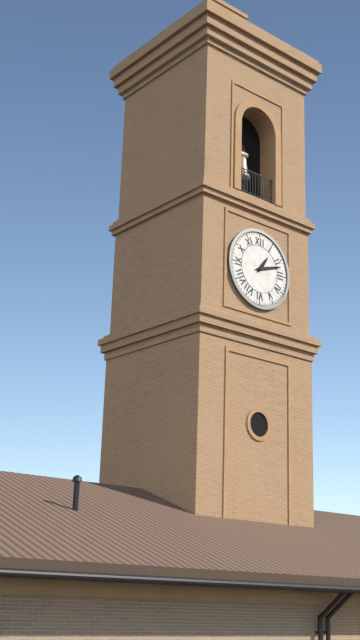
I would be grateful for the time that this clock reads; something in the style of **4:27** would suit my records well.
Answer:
**1:12**
